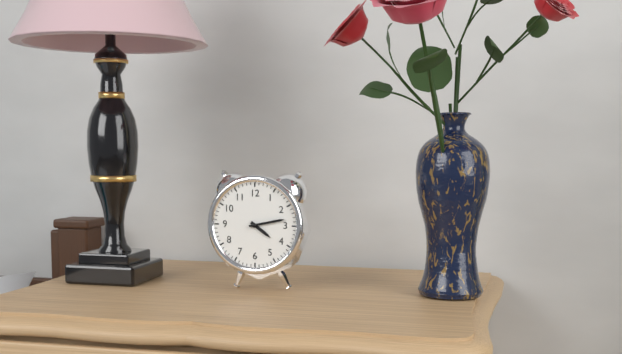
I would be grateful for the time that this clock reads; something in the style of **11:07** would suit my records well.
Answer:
**4:13**
